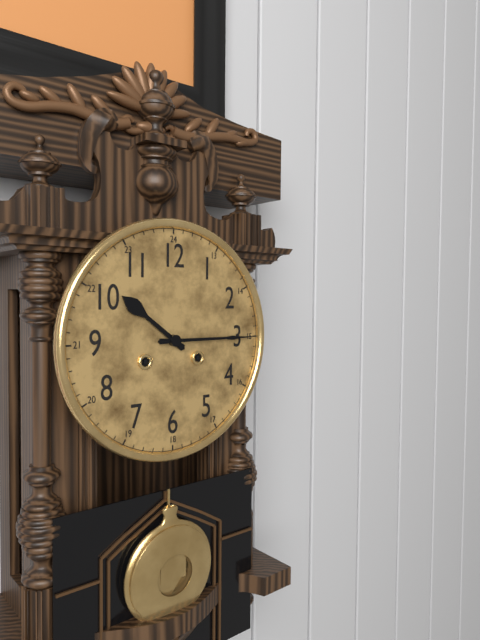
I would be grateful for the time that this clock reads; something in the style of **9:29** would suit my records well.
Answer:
**10:15**
